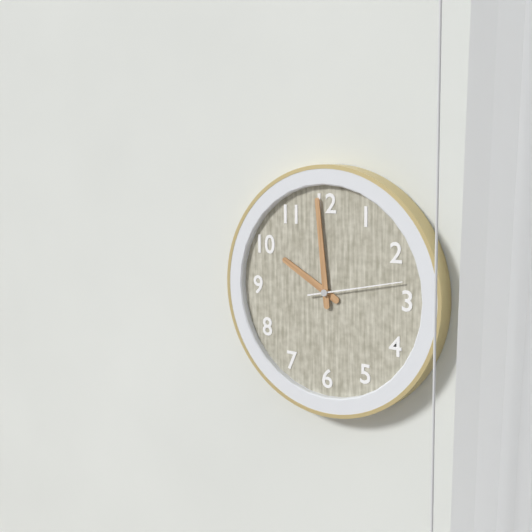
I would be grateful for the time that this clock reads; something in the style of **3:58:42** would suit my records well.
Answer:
**9:59:13**
